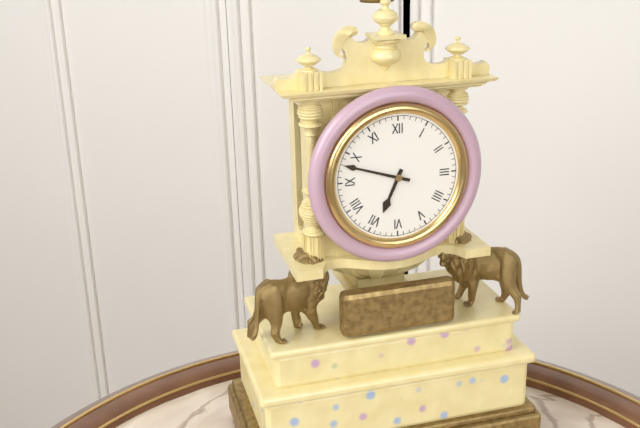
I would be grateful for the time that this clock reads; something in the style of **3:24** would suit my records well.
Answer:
**6:48**
